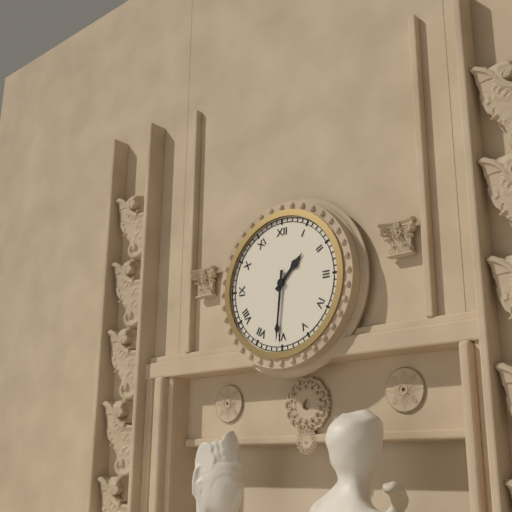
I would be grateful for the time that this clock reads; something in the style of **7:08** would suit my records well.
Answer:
**1:31**
